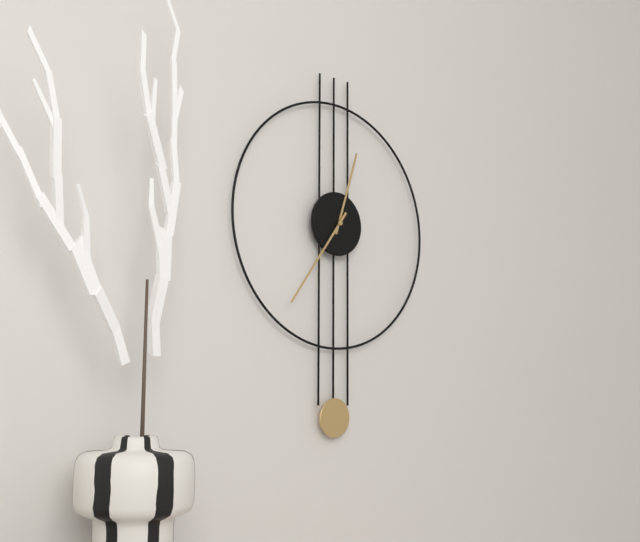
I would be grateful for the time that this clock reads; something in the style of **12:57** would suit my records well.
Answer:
**12:36**
